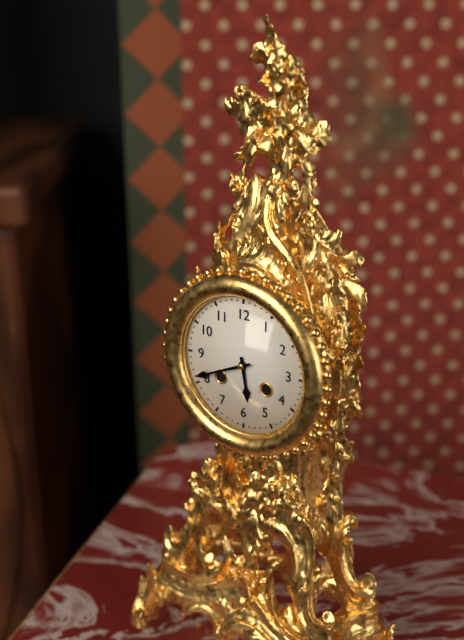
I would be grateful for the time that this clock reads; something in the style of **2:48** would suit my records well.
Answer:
**5:41**
